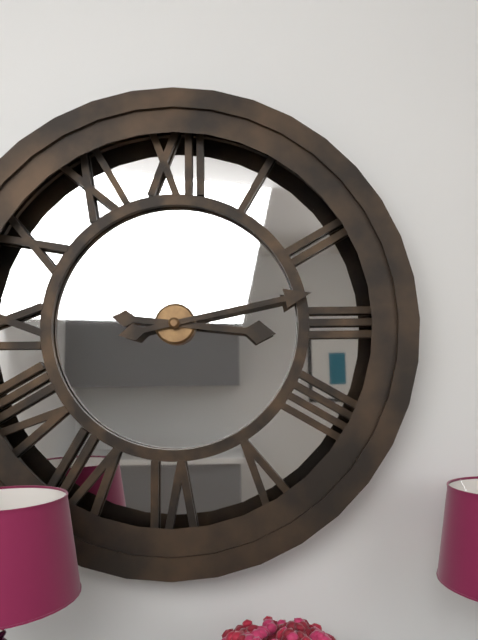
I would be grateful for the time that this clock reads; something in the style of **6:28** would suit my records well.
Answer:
**3:13**
